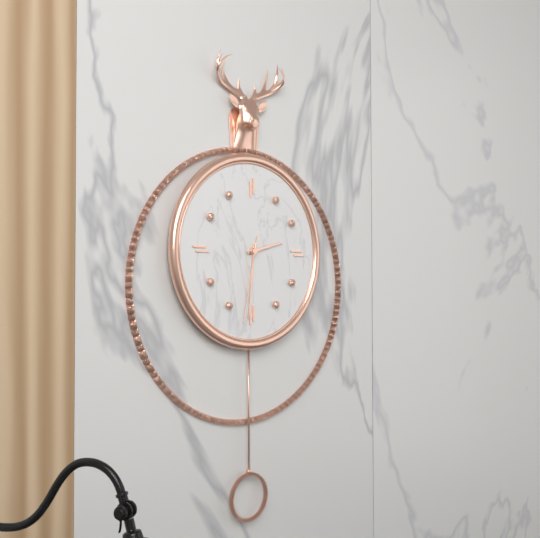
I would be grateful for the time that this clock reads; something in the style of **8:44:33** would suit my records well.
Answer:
**2:31:32**
